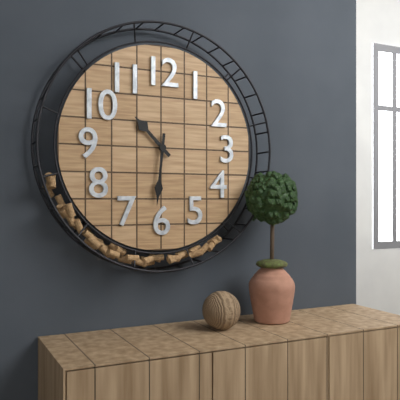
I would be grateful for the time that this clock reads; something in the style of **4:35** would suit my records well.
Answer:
**10:31**
